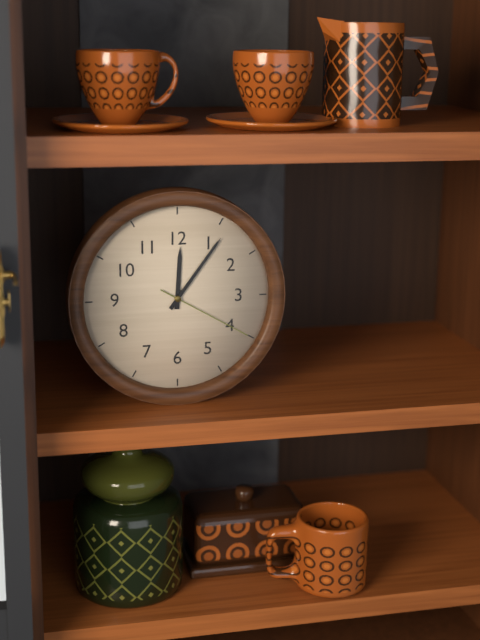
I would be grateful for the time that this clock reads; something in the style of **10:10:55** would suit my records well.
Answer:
**12:06:20**
